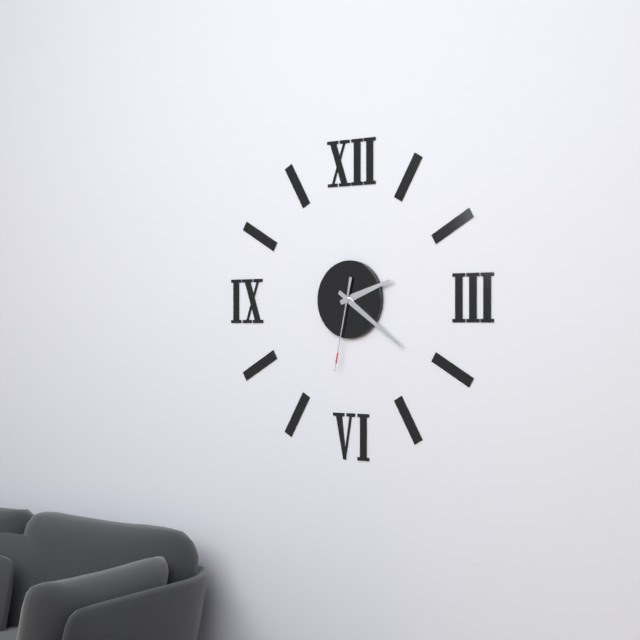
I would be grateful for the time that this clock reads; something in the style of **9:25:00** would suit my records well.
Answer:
**2:21:32**
